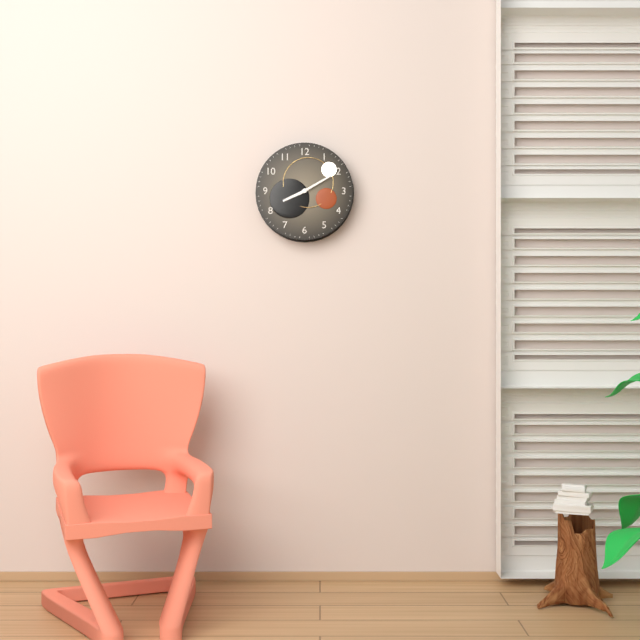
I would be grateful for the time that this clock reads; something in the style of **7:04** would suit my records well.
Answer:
**8:10**
